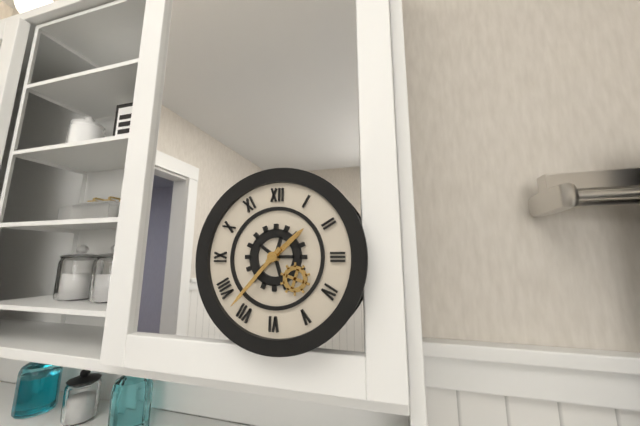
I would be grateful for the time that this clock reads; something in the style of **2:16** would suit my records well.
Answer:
**1:37**
